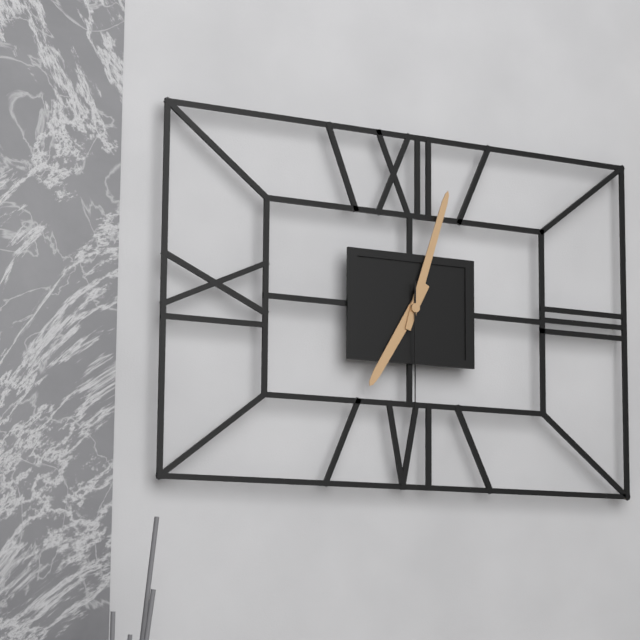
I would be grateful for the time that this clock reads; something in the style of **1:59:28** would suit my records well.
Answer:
**7:03:30**
